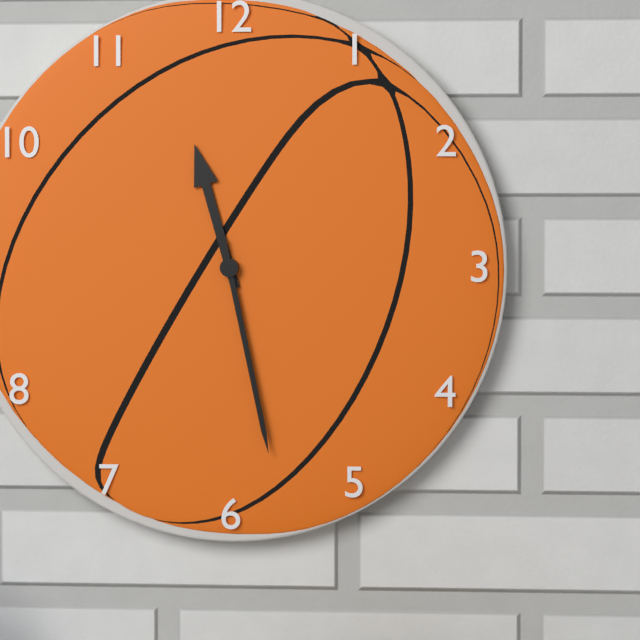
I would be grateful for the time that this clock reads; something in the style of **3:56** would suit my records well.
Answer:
**11:28**
